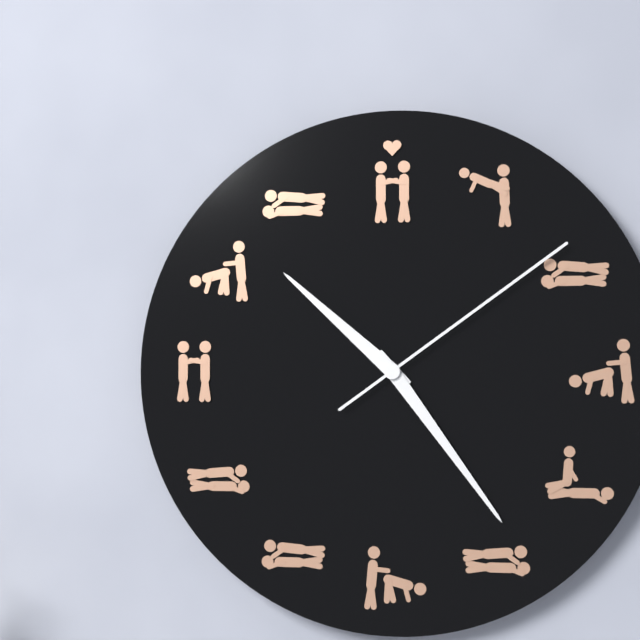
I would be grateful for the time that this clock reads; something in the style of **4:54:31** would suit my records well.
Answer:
**10:24:09**
